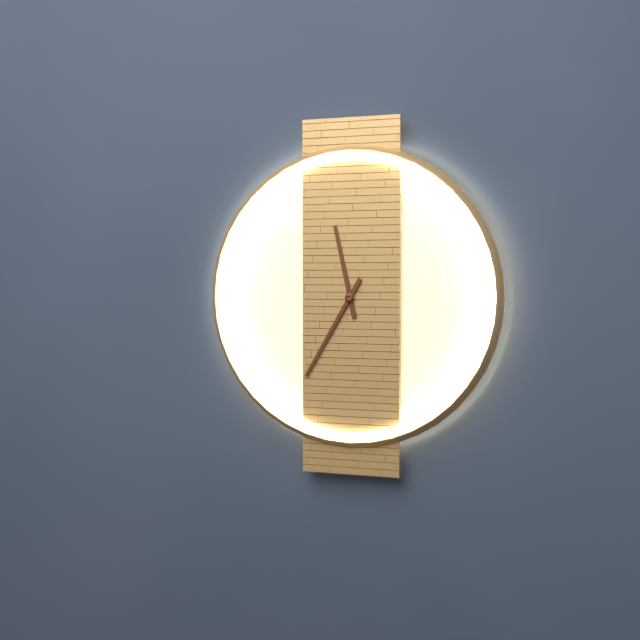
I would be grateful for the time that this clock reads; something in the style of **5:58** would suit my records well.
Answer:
**11:35**
